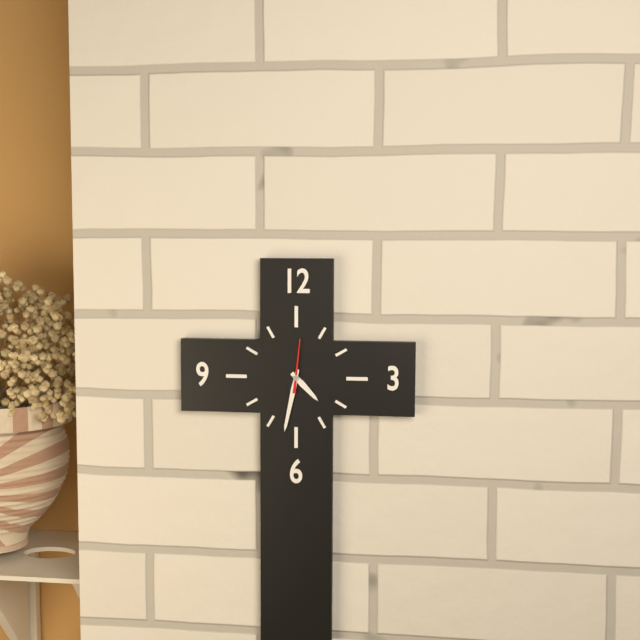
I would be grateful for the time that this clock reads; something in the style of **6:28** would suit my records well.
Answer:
**4:32**
